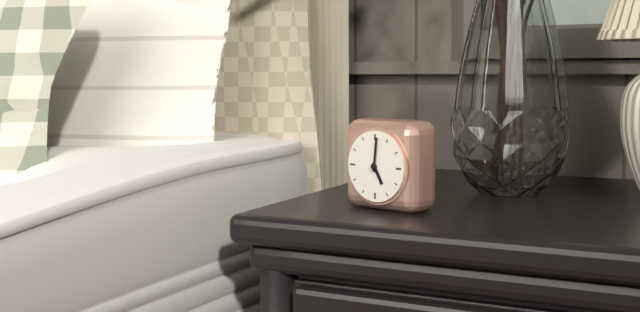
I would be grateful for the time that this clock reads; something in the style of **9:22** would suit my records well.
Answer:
**5:01**
